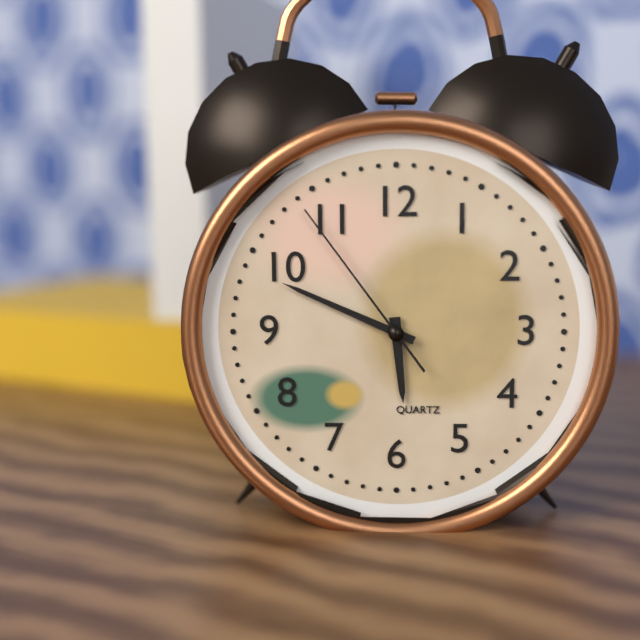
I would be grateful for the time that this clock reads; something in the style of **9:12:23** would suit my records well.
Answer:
**5:49:54**
